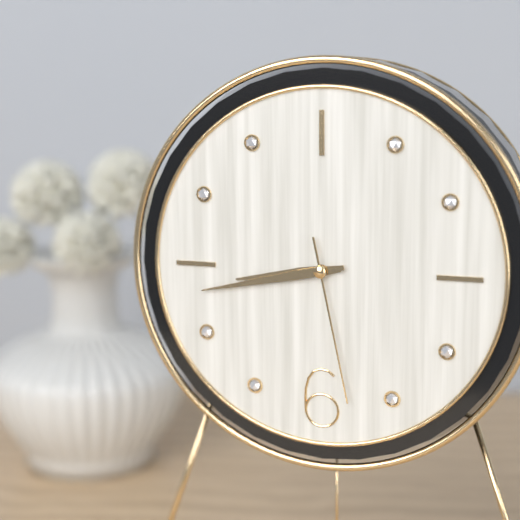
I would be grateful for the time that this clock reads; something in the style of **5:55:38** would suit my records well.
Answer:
**8:43:28**
